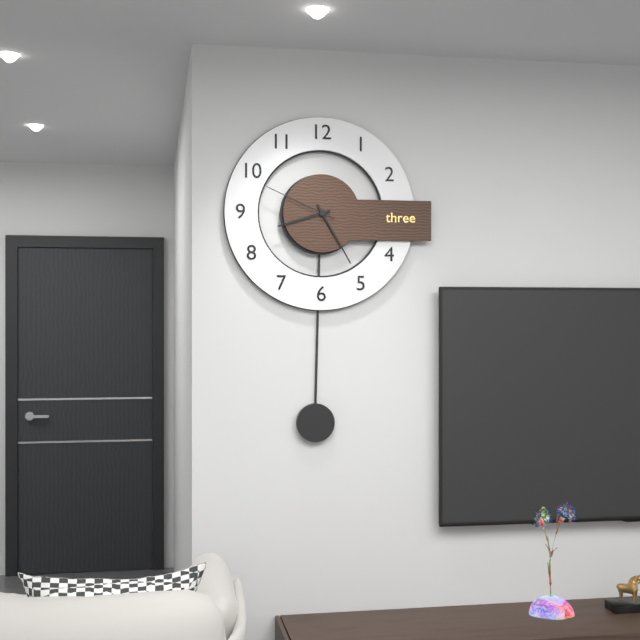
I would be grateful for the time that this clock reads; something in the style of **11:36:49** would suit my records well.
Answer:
**8:25:49**
